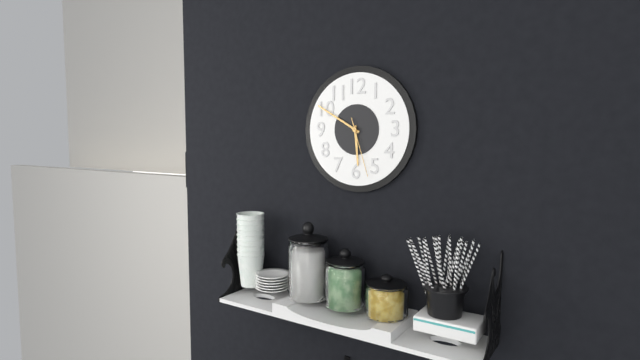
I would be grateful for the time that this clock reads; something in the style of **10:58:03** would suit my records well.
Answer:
**5:50:27**
